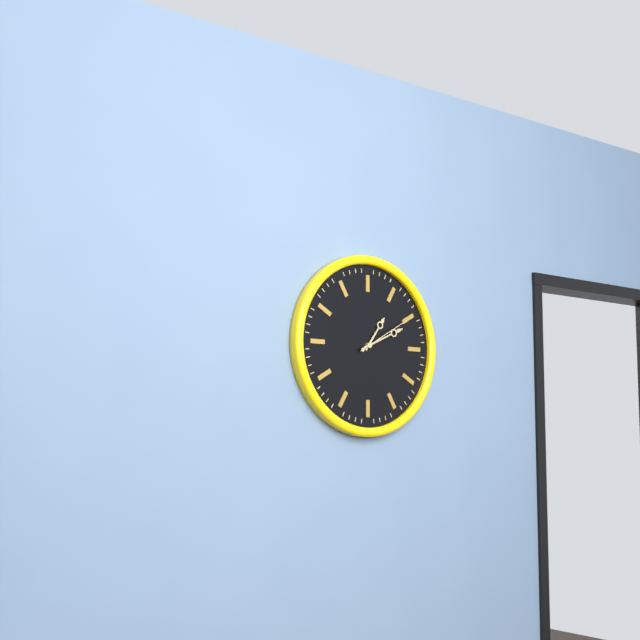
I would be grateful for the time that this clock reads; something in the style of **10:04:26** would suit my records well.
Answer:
**1:11:10**
